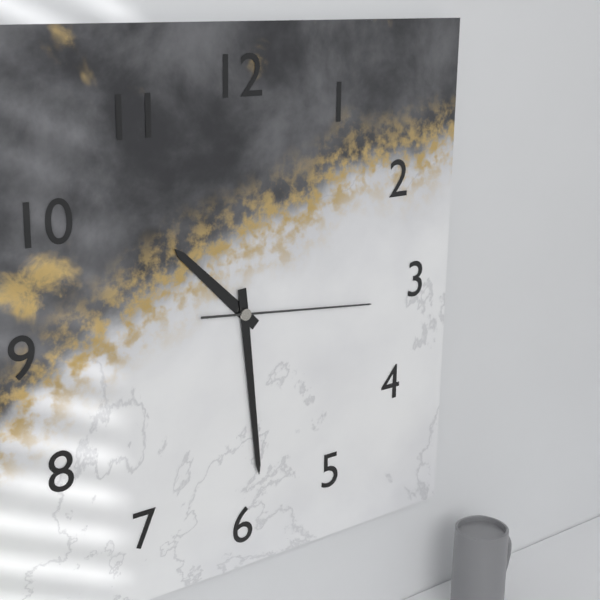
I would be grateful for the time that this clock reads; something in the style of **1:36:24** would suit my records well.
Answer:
**10:29:16**
